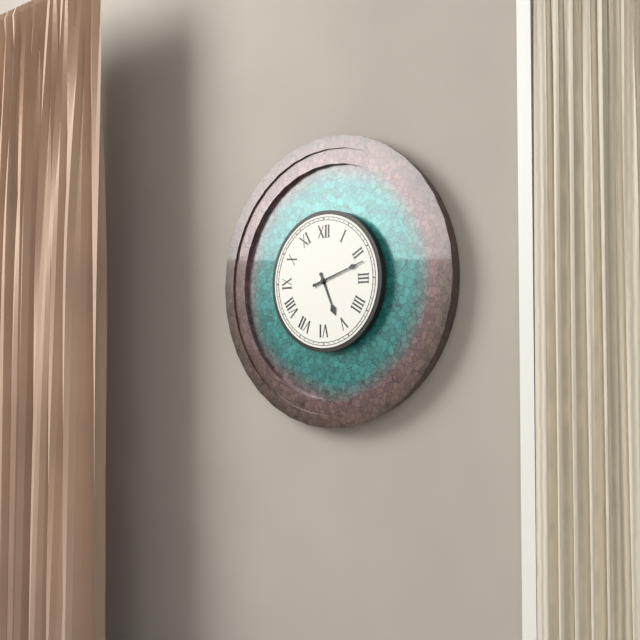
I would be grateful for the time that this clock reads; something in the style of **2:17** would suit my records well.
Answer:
**5:12**
